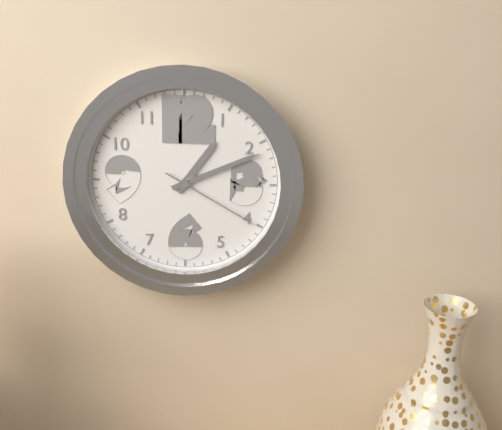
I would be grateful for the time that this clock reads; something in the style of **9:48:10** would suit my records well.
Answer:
**1:11:20**
